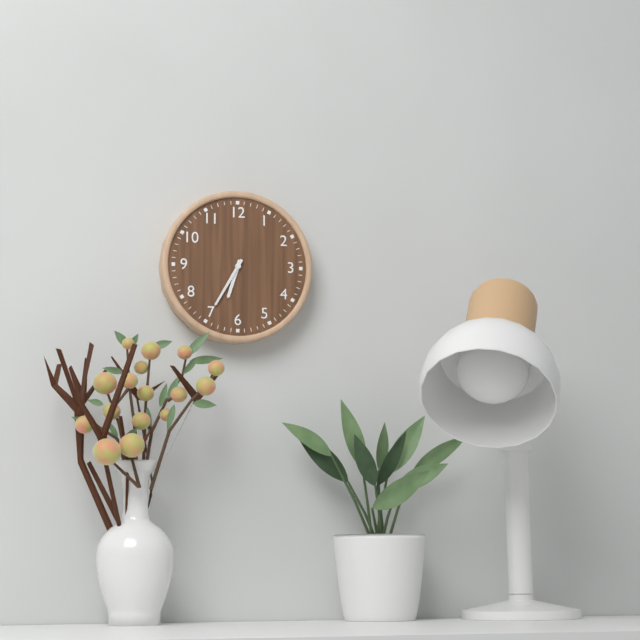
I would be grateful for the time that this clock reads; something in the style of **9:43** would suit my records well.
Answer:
**6:35**
